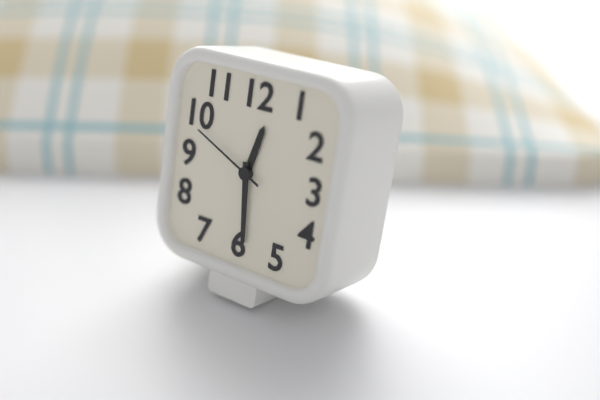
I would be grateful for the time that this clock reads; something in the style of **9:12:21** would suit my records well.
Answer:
**12:29:49**
